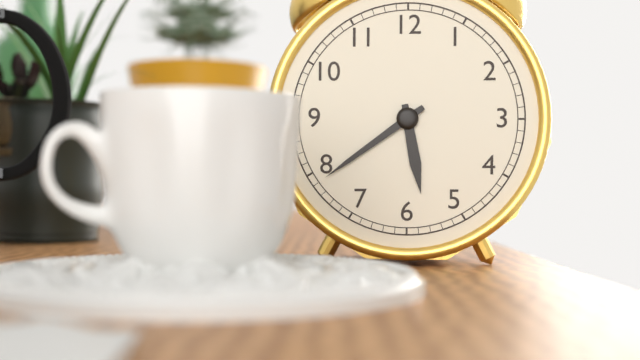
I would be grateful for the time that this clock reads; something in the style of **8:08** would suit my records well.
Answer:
**5:39**
